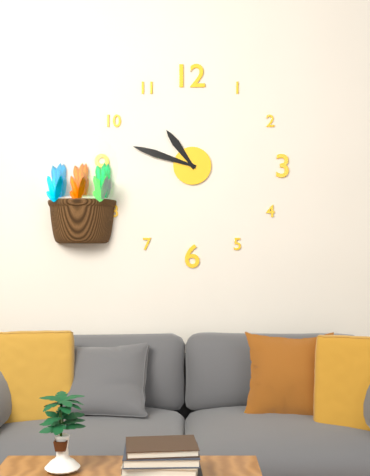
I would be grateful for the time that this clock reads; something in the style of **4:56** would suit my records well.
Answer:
**10:48**
